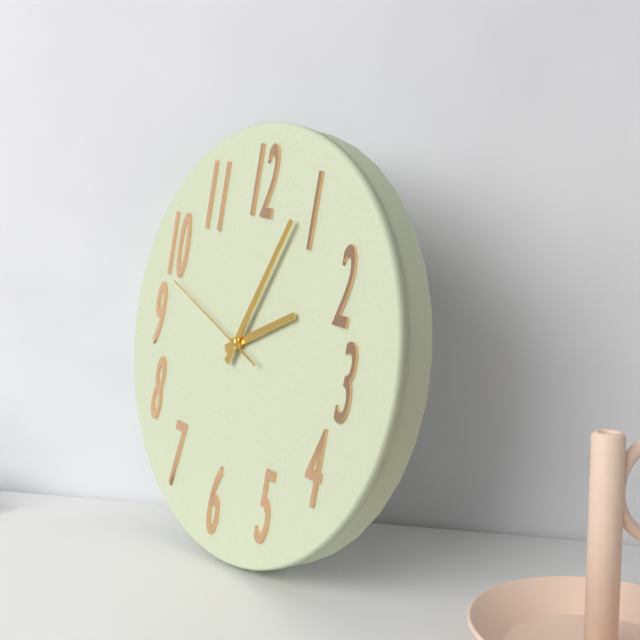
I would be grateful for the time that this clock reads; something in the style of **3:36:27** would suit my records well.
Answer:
**2:04:48**
